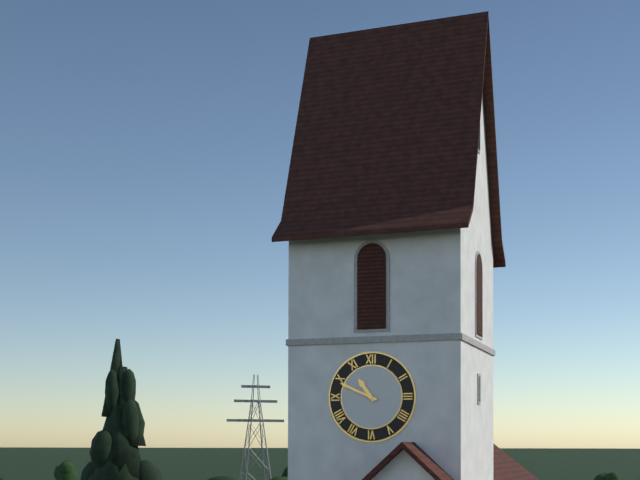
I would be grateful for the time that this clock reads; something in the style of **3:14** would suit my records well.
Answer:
**10:49**
